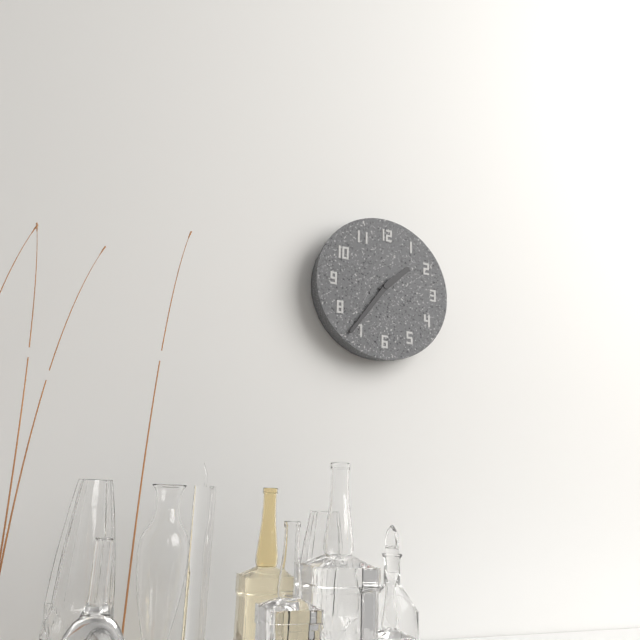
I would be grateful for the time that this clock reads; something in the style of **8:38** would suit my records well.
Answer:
**1:36**
